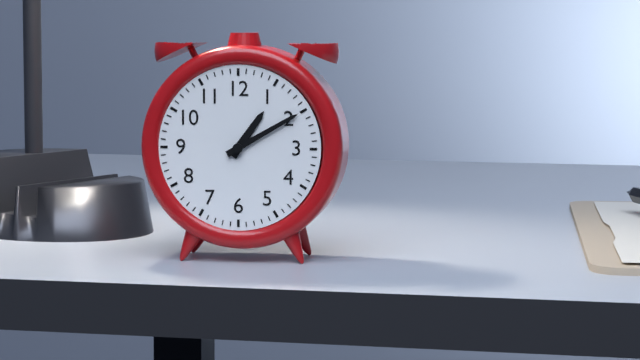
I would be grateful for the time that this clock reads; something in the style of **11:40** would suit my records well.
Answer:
**1:10**
